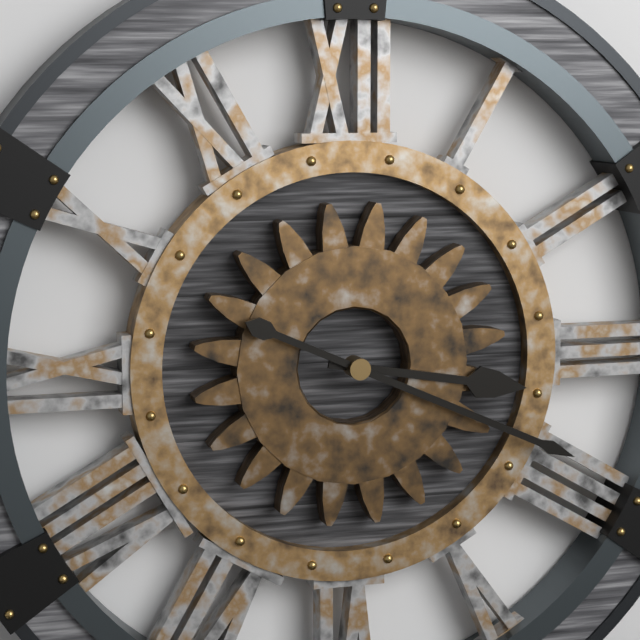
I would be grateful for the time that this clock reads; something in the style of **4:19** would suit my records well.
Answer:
**3:19**
